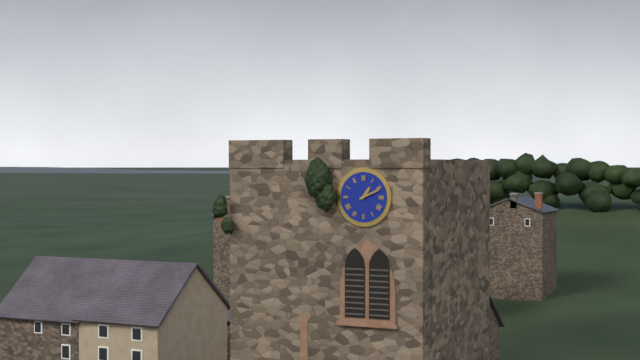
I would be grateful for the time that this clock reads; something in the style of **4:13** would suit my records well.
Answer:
**1:11**
